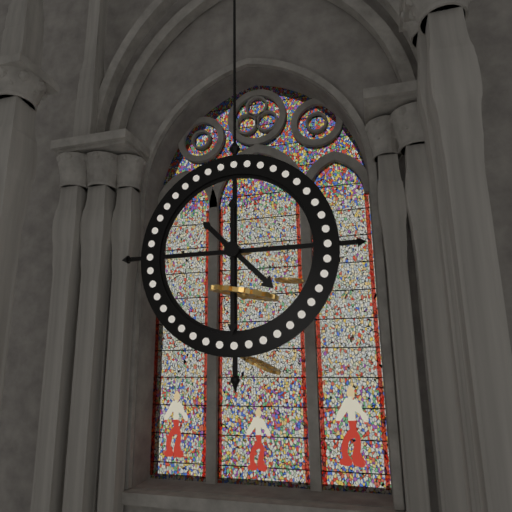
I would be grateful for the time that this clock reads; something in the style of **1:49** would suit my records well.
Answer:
**4:30**
